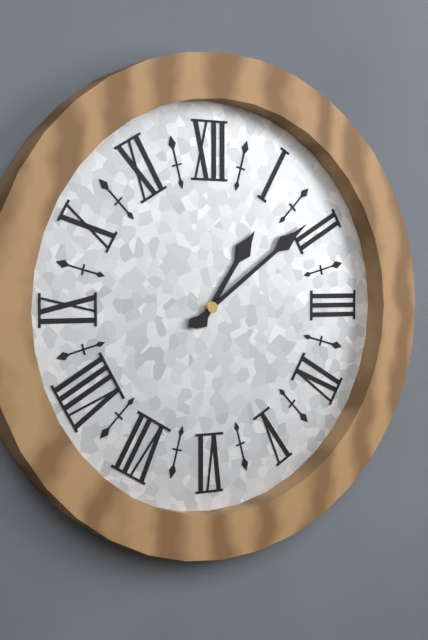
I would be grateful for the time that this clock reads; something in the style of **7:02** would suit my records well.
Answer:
**1:09**
